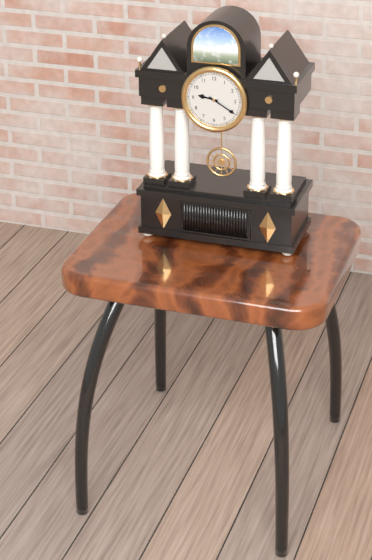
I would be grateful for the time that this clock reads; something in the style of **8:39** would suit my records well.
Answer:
**9:20**
